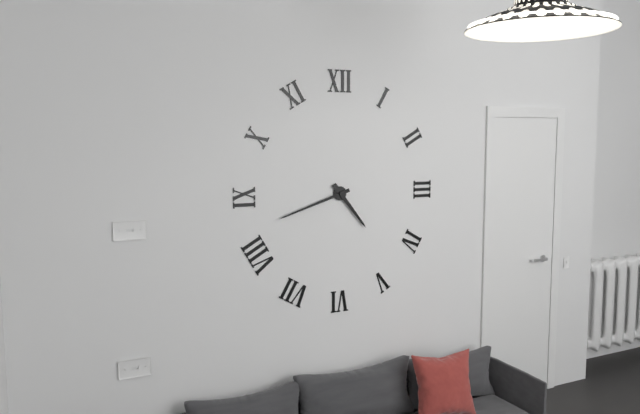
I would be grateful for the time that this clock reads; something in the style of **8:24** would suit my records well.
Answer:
**4:42**
